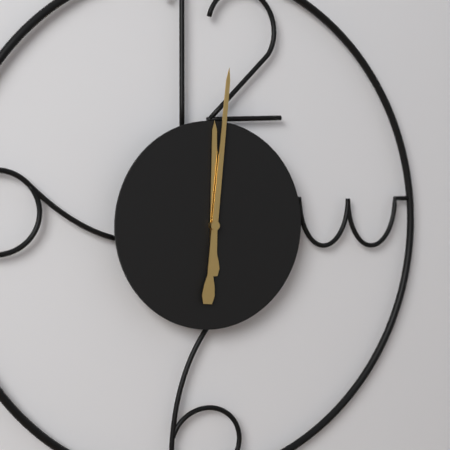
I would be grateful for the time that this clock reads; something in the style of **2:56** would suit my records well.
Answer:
**12:01**
